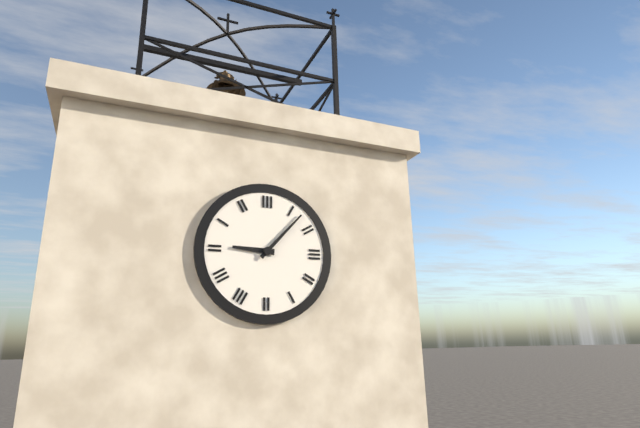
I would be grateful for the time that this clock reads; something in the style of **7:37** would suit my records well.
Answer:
**9:07**
